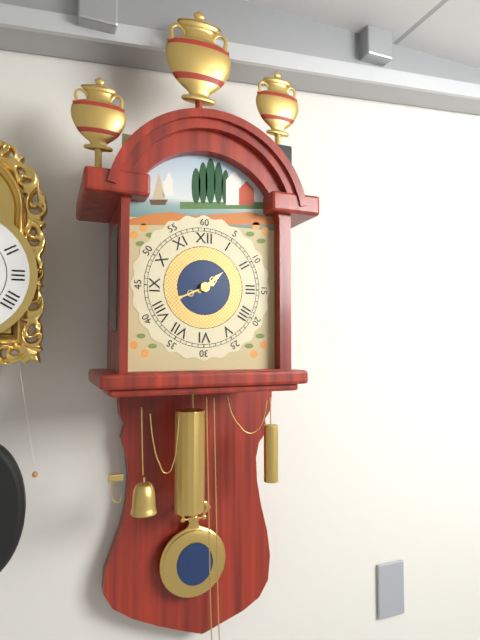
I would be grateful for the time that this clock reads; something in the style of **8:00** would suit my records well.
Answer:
**1:41**
